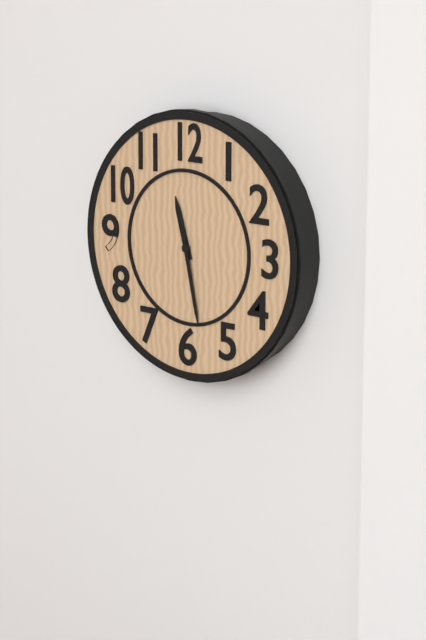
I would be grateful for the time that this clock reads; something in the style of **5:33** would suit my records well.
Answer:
**11:28**
